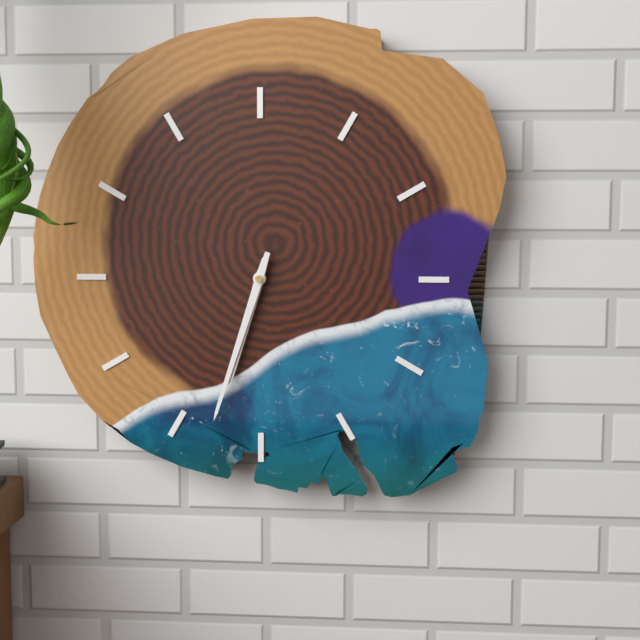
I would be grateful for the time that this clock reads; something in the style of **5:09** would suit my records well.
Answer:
**6:33**
